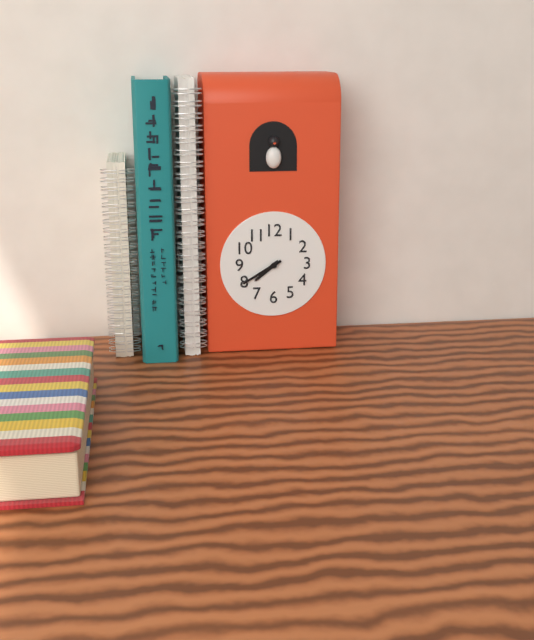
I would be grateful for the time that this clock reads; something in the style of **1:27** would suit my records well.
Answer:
**7:40**
